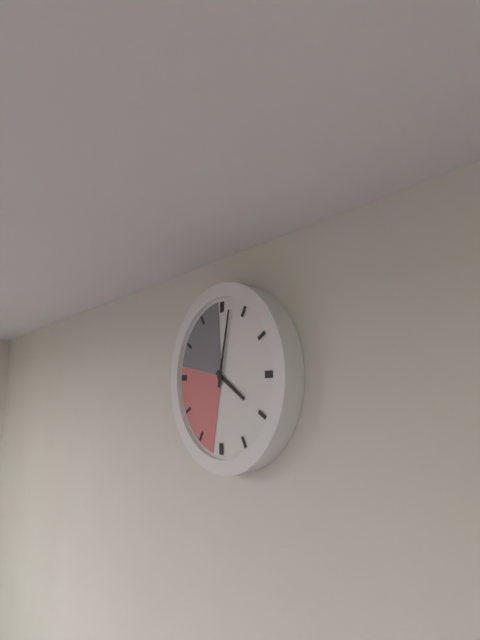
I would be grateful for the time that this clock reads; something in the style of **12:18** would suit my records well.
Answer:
**4:02**
